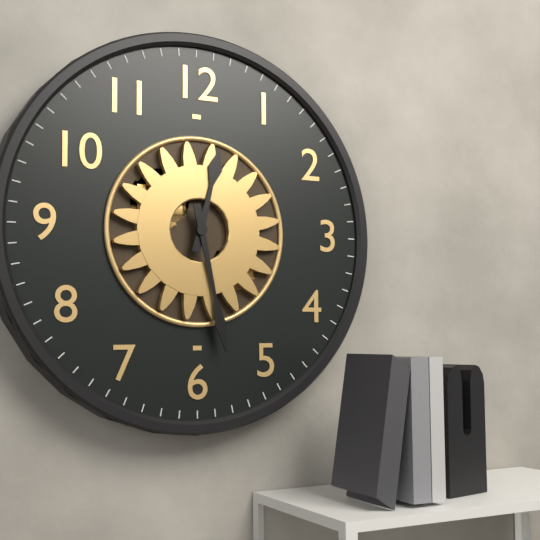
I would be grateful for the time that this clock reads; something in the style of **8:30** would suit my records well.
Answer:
**12:28**
